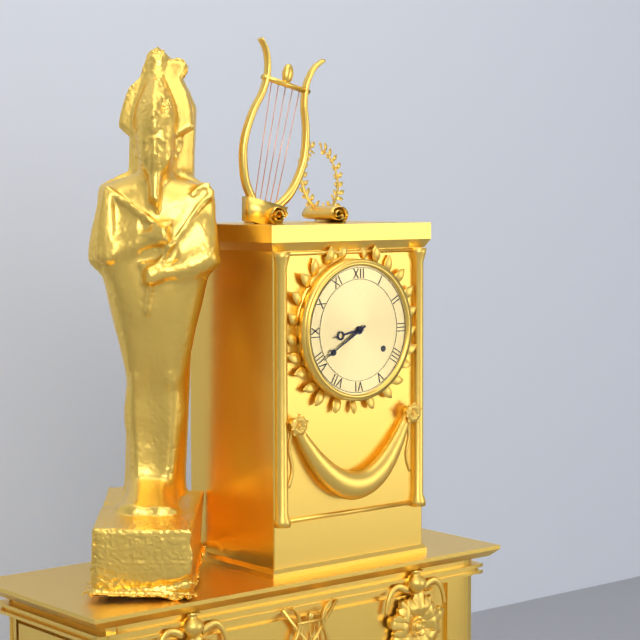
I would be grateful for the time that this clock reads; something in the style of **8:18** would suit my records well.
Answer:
**8:40**
